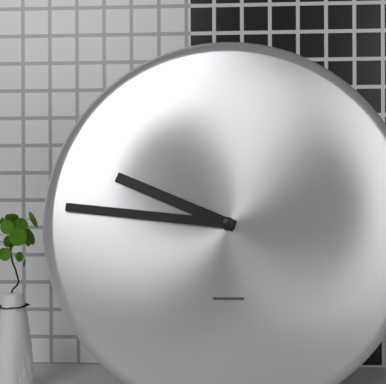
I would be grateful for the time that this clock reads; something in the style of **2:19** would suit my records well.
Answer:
**9:46**
